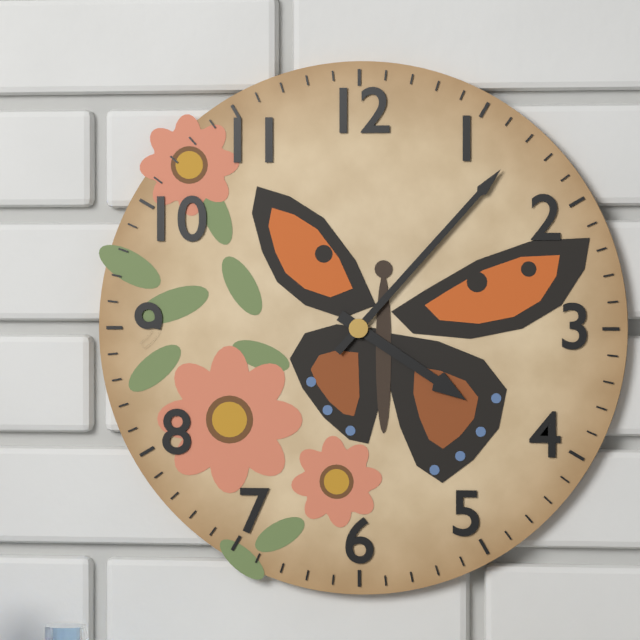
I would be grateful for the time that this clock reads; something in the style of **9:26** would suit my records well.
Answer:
**4:07**
